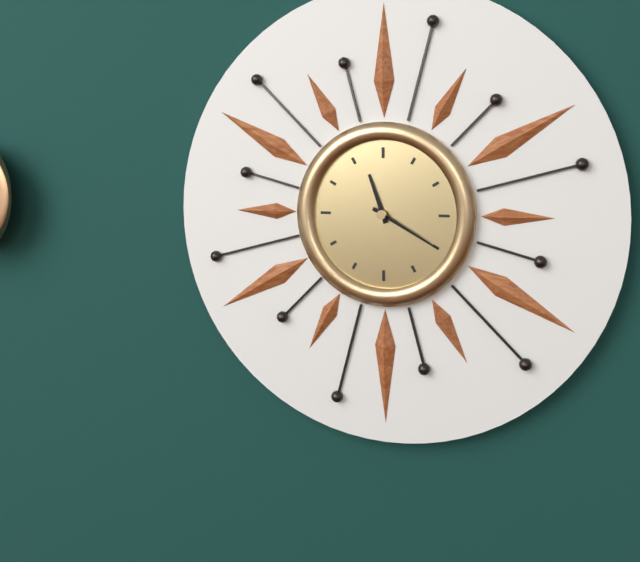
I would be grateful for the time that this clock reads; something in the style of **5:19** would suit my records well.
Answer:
**11:20**
